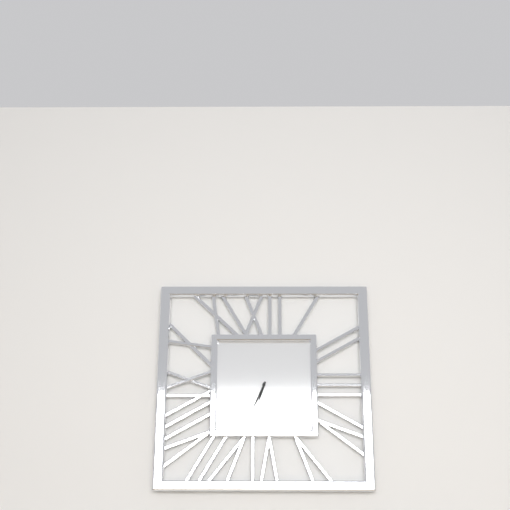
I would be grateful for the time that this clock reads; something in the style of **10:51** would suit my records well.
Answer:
**6:34**
